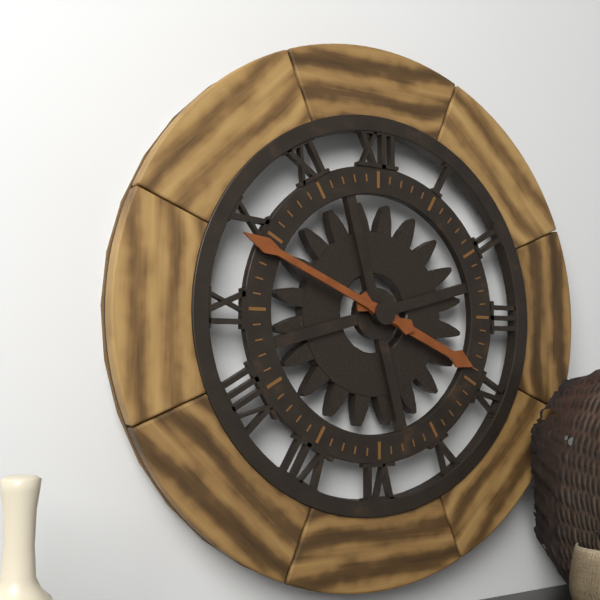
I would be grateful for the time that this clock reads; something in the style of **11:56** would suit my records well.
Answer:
**3:49**
